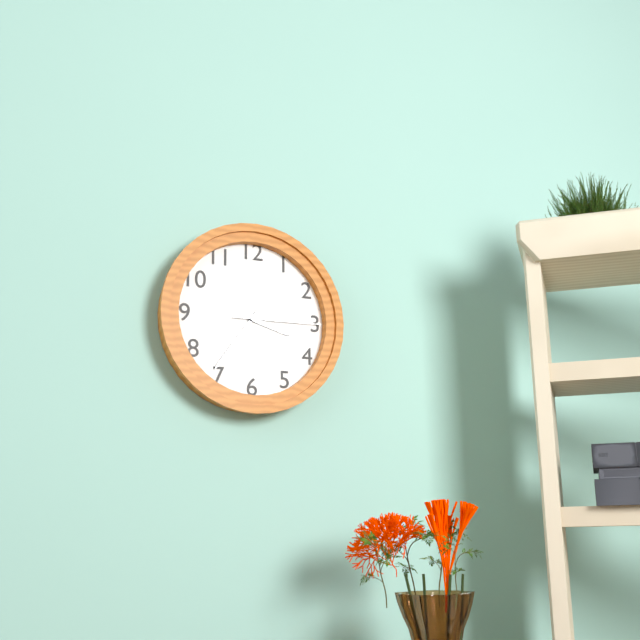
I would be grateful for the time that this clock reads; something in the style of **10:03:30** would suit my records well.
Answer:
**3:36:15**
